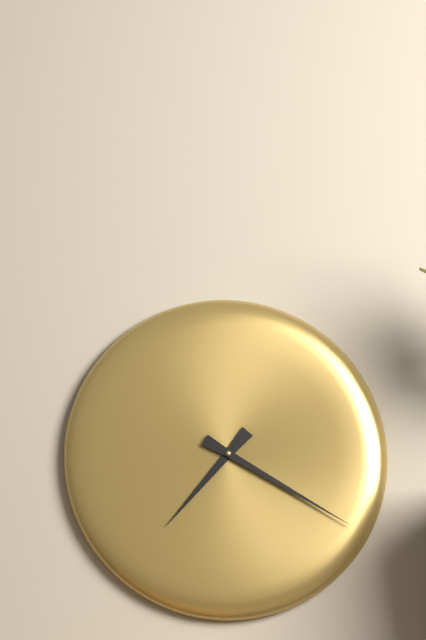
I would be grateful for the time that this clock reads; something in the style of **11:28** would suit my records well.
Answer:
**7:20**
